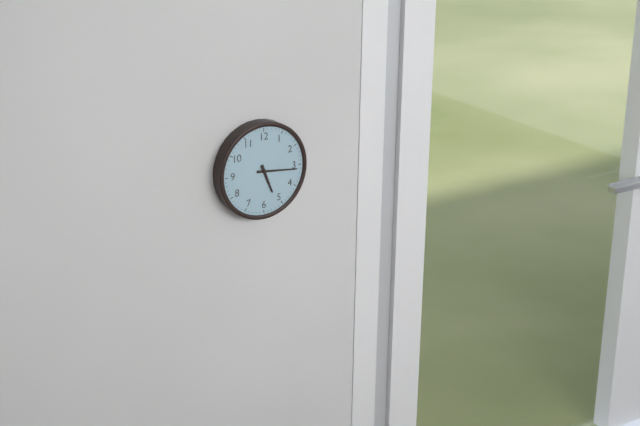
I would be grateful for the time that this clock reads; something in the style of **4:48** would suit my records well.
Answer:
**5:16**
